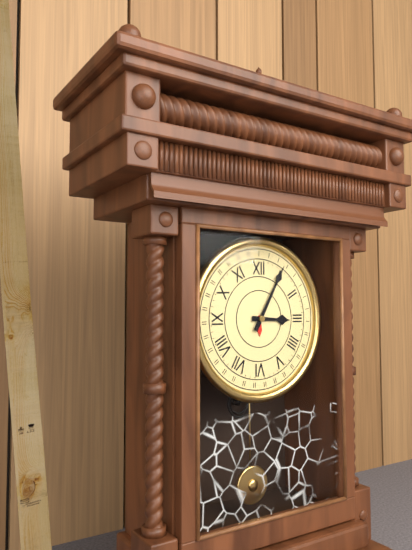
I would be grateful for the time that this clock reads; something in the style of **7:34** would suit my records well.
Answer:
**3:05**
